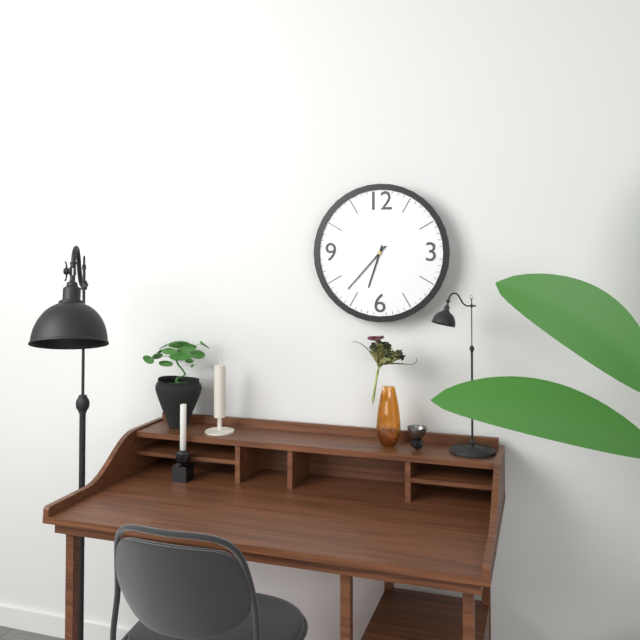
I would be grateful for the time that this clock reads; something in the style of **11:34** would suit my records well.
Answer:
**6:37**
